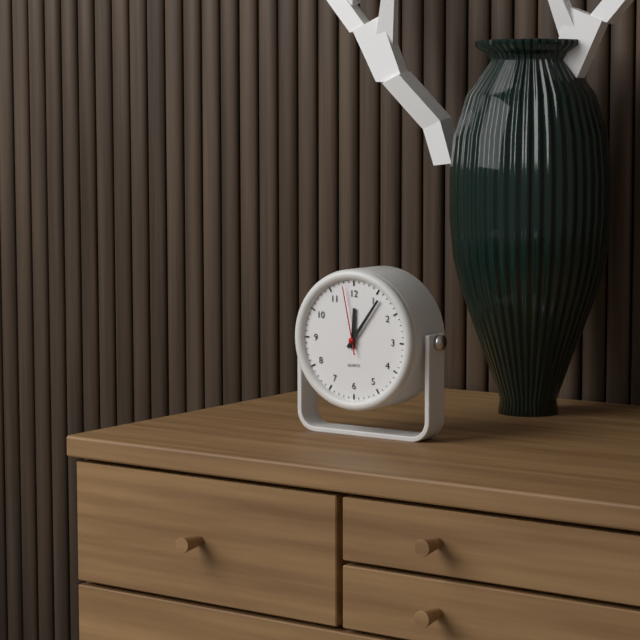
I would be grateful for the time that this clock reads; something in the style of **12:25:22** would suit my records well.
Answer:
**12:06:58**
